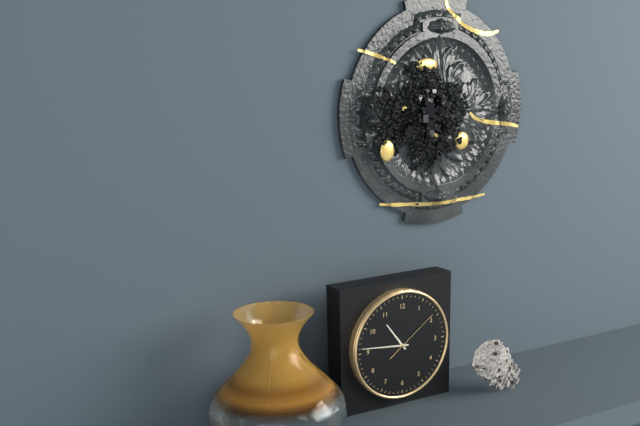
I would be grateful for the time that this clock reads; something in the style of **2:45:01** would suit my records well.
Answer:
**10:46:09**
